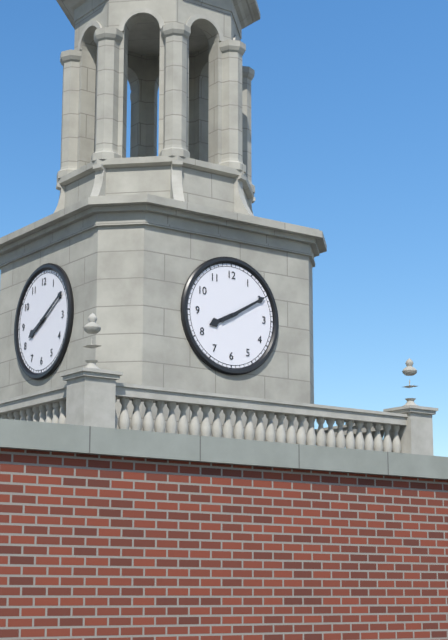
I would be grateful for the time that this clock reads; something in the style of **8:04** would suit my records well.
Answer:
**8:10**
